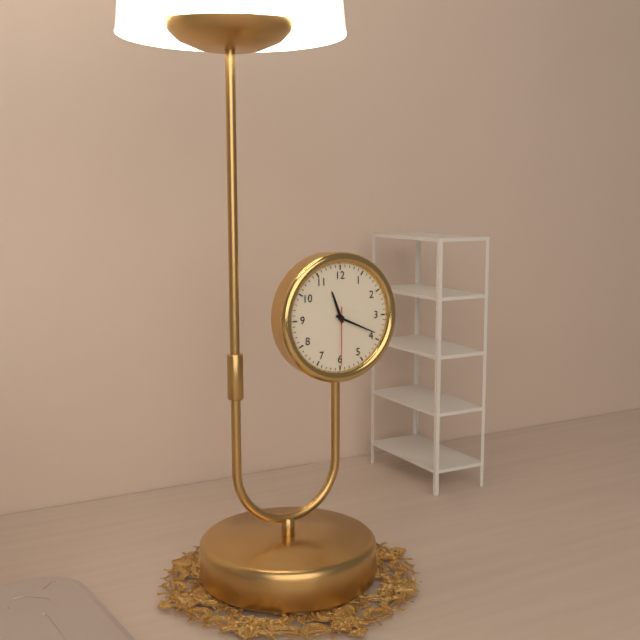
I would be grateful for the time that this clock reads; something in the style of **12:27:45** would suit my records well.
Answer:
**11:19:30**
